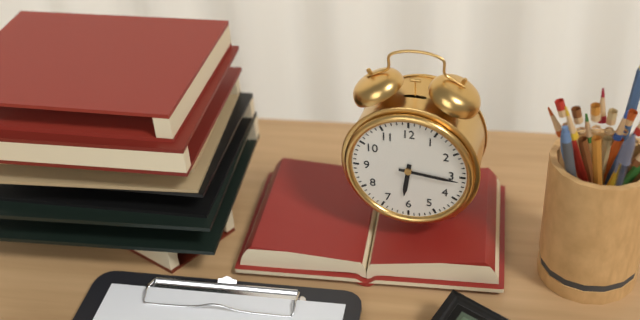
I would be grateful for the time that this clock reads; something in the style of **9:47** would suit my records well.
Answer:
**6:16**
